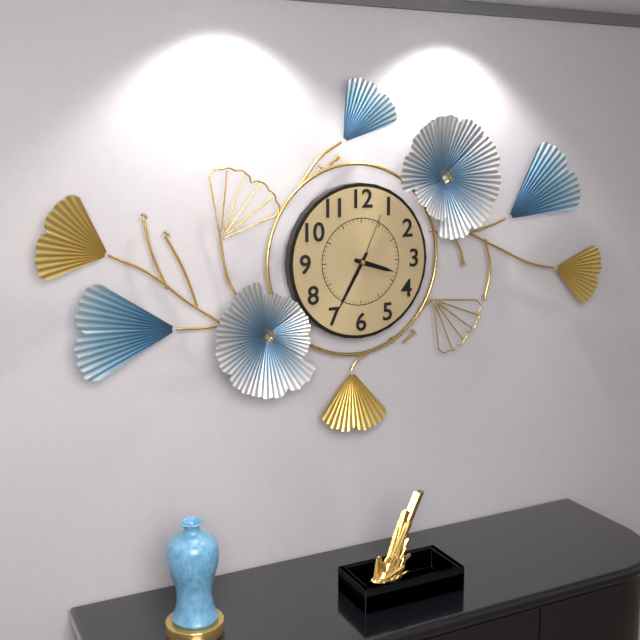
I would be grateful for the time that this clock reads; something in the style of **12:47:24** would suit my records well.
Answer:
**3:35:04**
